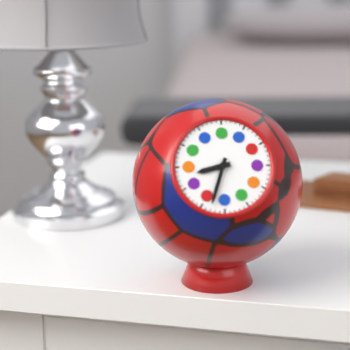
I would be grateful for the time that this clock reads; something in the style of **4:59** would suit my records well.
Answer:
**8:33**
